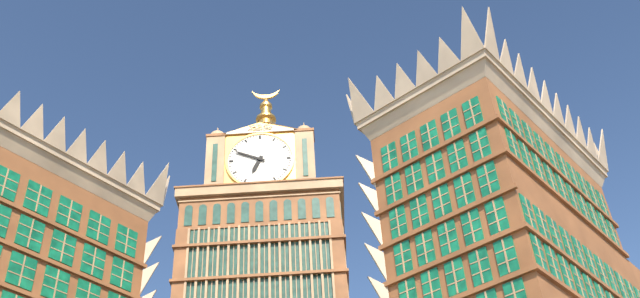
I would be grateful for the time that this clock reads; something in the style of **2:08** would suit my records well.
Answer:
**6:49**
